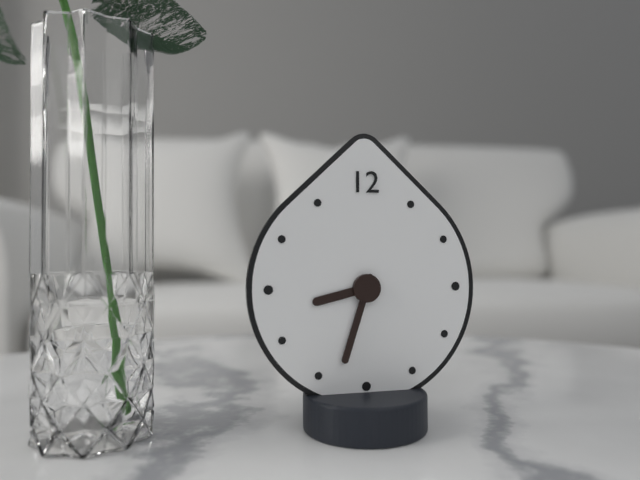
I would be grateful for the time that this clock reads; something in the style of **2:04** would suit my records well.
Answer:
**8:33**
